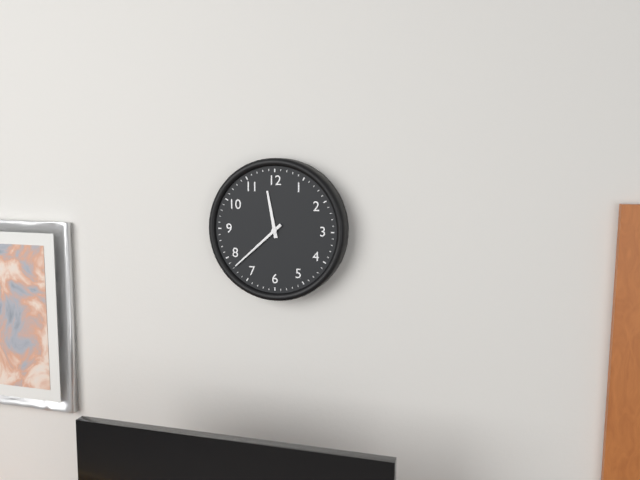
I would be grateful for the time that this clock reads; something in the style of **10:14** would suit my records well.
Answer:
**11:38**
